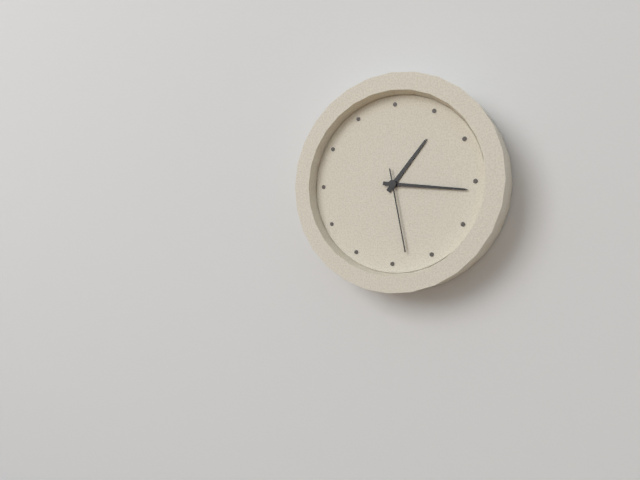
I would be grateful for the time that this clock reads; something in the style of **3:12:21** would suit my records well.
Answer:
**1:16:28**
